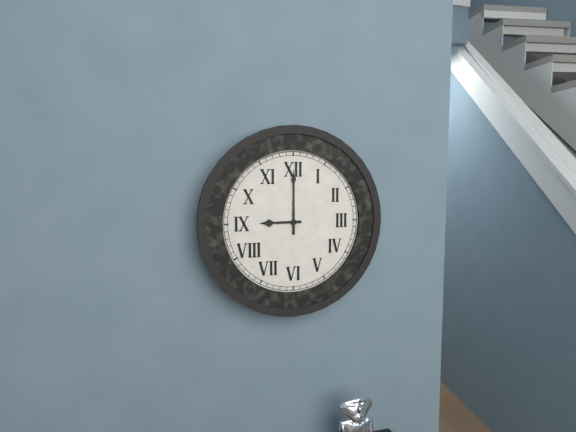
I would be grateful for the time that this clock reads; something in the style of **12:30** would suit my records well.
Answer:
**9:00**
